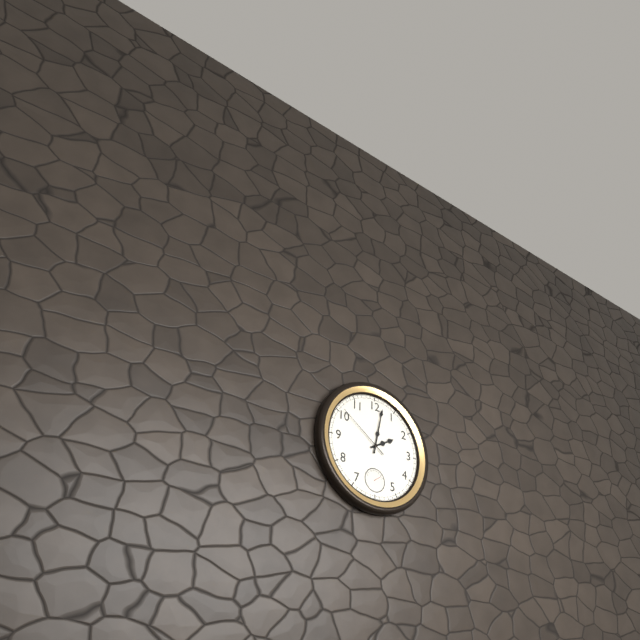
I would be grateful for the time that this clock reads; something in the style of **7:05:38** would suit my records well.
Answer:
**2:02:51**
